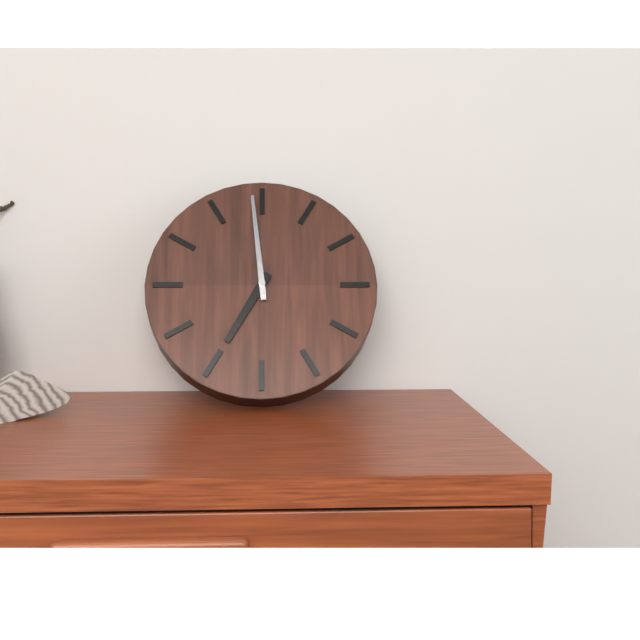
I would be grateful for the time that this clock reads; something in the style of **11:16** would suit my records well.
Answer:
**6:59**
